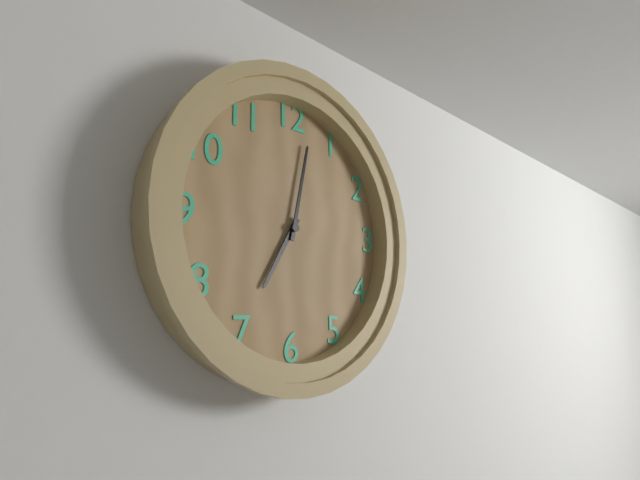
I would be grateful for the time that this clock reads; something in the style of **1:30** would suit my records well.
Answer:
**7:02**
